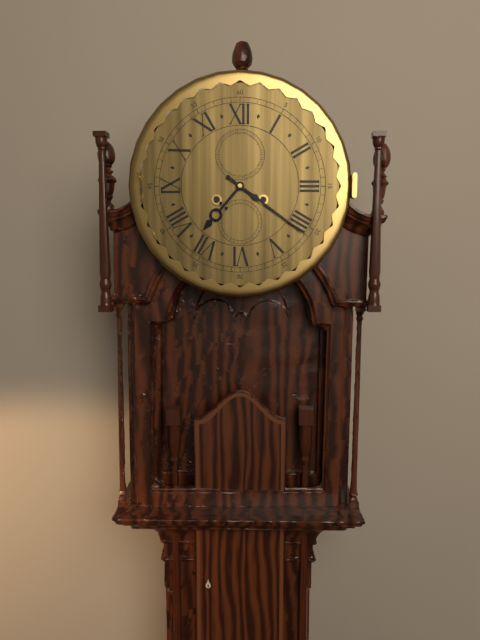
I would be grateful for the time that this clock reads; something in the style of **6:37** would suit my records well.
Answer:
**7:21**
